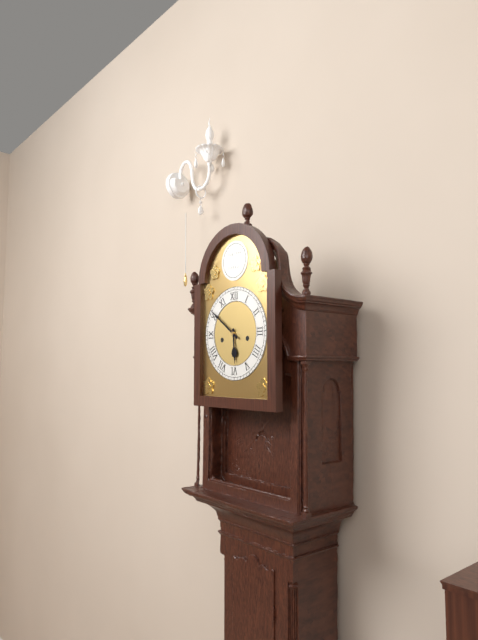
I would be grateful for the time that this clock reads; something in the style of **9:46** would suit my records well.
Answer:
**5:51**
